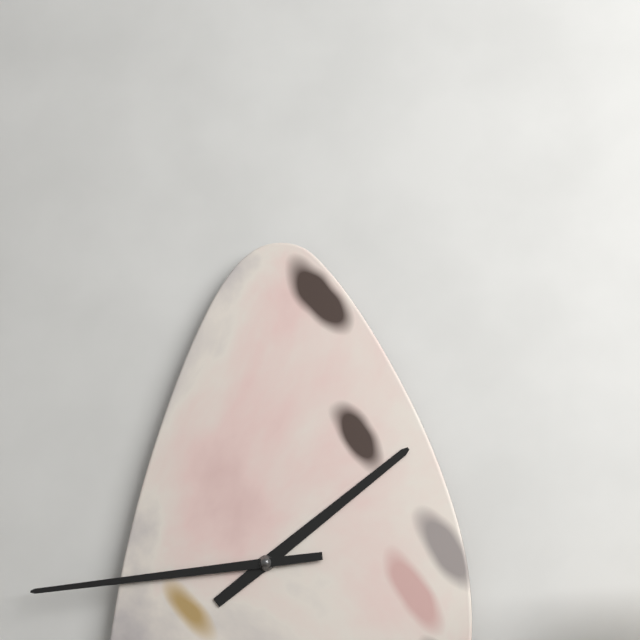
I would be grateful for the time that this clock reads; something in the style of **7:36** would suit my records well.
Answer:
**1:44**
